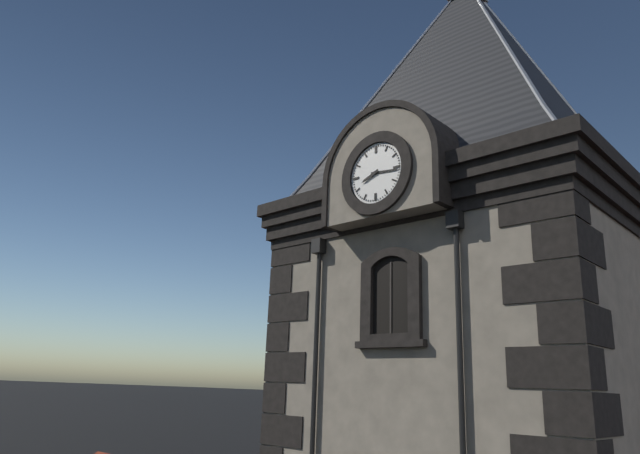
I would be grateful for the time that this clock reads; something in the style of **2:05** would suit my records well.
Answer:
**8:16**
